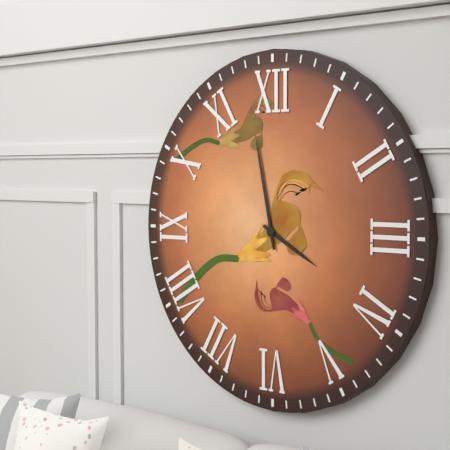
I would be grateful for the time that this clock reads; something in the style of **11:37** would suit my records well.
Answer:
**3:58**
